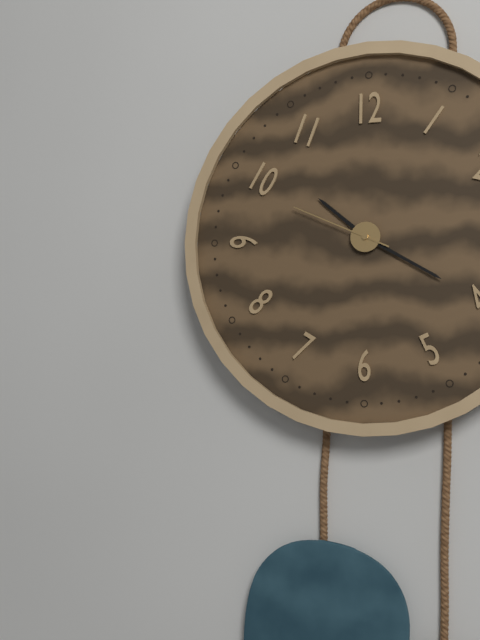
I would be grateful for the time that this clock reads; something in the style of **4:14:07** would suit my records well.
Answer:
**10:20:49**
